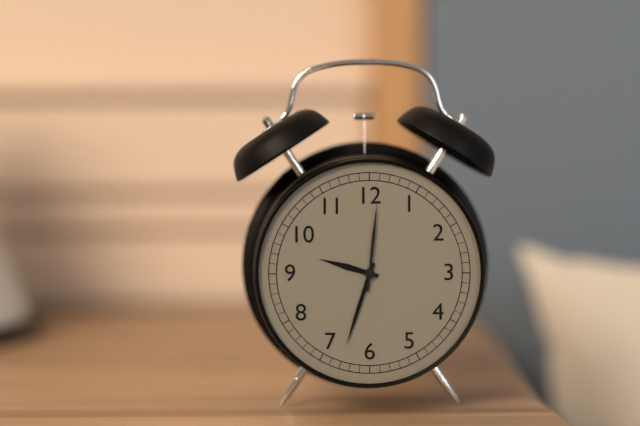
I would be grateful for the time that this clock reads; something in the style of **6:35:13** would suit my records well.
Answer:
**9:33:01**
